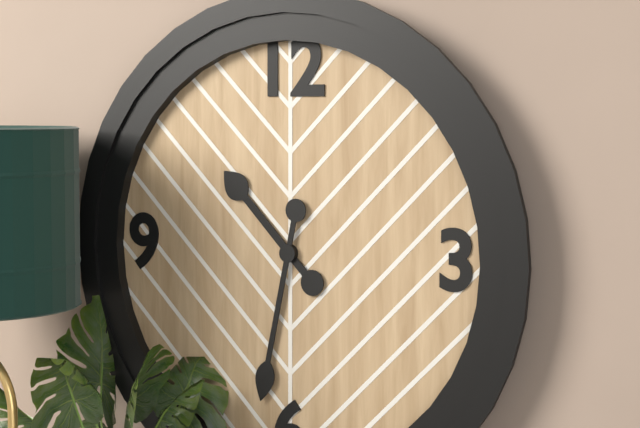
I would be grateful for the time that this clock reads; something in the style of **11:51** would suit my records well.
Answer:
**10:32**
